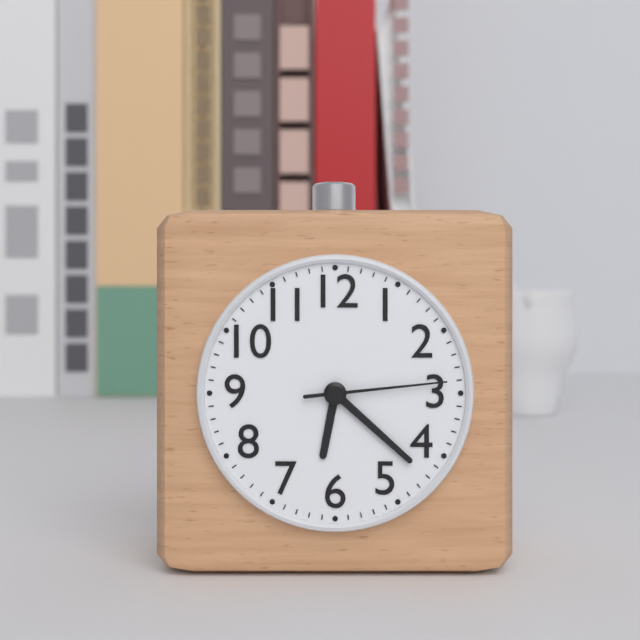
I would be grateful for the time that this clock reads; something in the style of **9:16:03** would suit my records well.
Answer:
**6:22:14**
